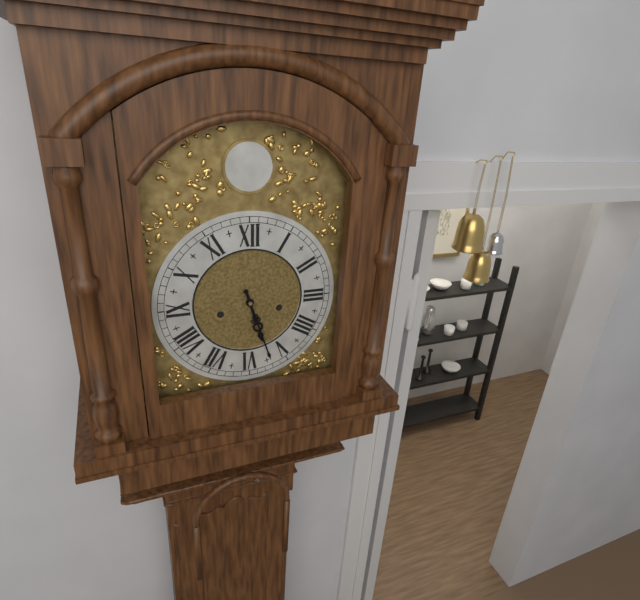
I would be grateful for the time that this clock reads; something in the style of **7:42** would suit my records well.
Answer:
**5:27**
